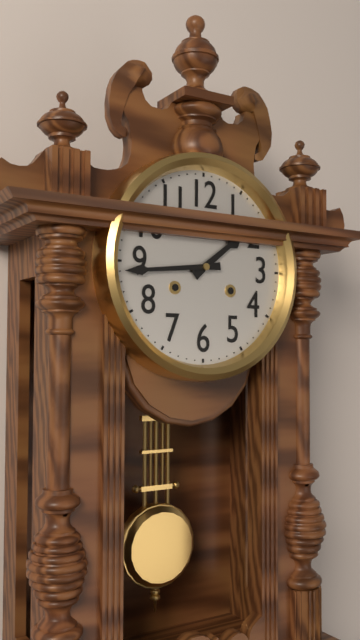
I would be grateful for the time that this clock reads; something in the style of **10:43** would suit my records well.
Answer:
**1:44**
